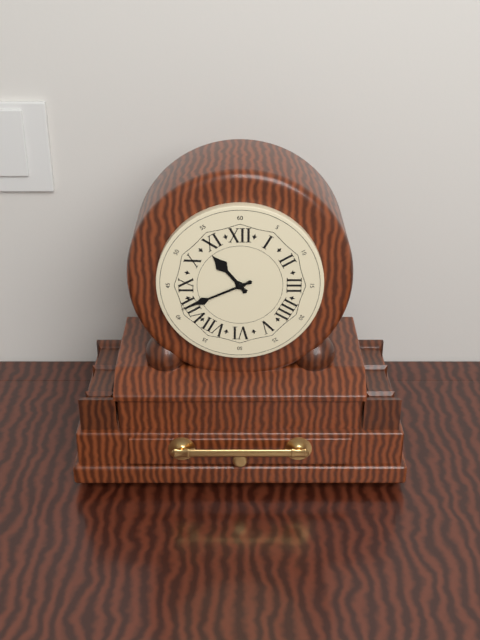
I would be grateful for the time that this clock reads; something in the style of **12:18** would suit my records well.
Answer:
**10:41**
